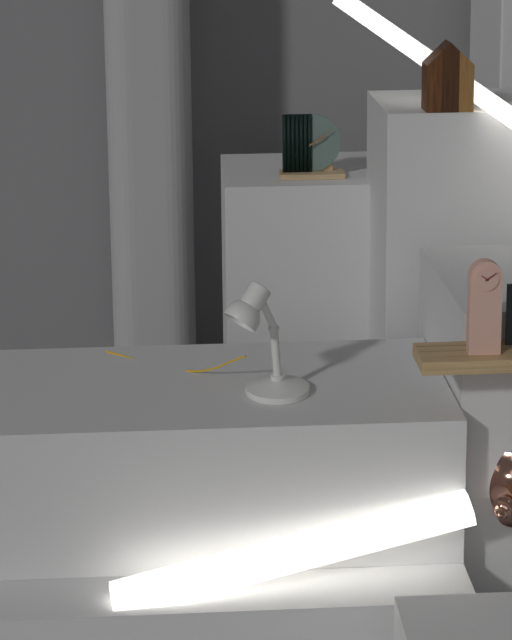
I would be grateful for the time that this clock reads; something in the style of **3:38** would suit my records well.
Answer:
**2:09**
